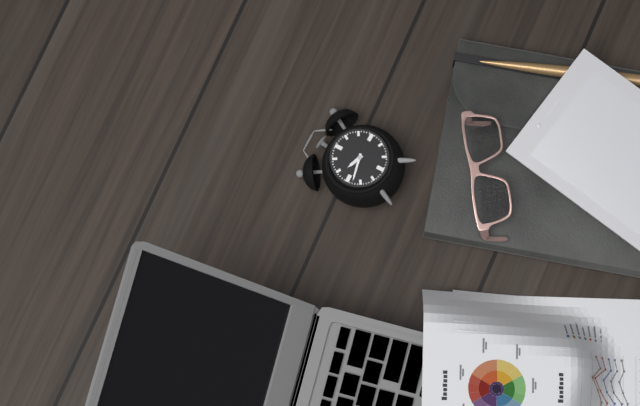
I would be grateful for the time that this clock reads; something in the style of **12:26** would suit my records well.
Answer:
**9:43**
